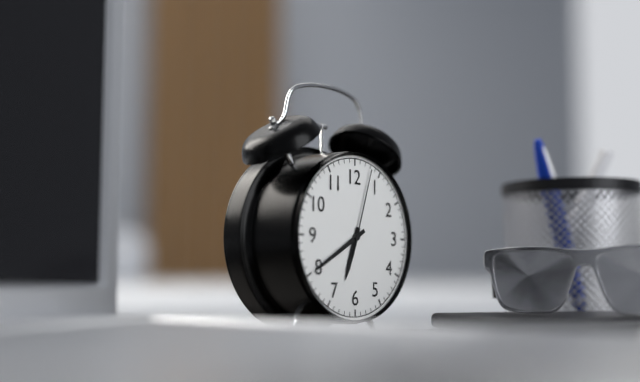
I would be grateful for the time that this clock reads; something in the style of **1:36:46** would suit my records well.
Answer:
**6:40:03**
